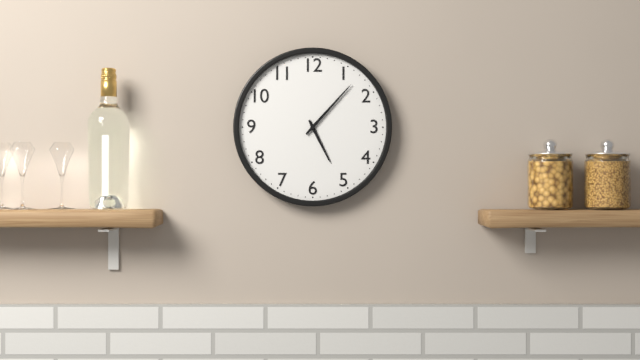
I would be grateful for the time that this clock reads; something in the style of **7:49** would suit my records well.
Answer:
**5:07**
